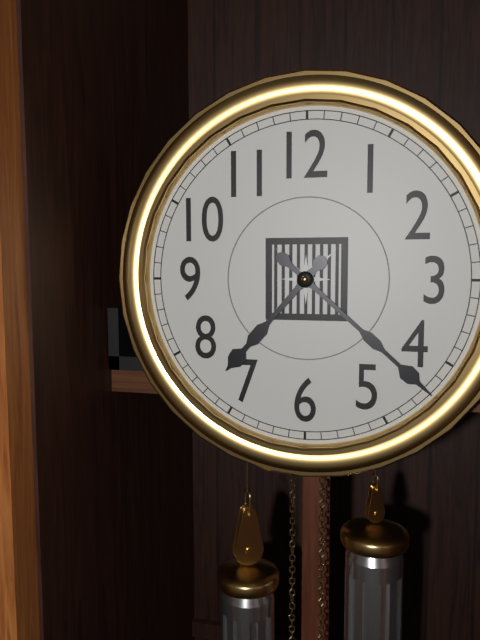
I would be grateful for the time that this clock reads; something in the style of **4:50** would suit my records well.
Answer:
**7:22**
